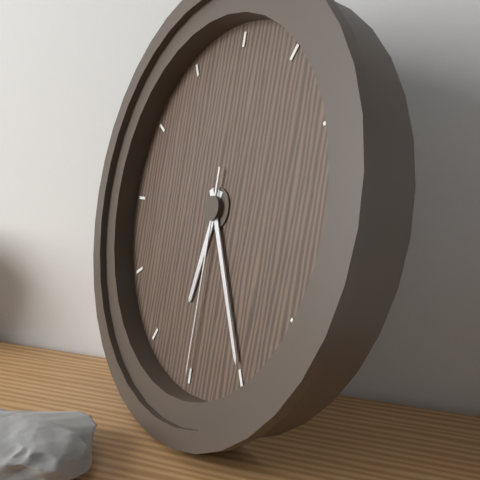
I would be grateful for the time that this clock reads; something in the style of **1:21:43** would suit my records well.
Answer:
**6:25:30**
